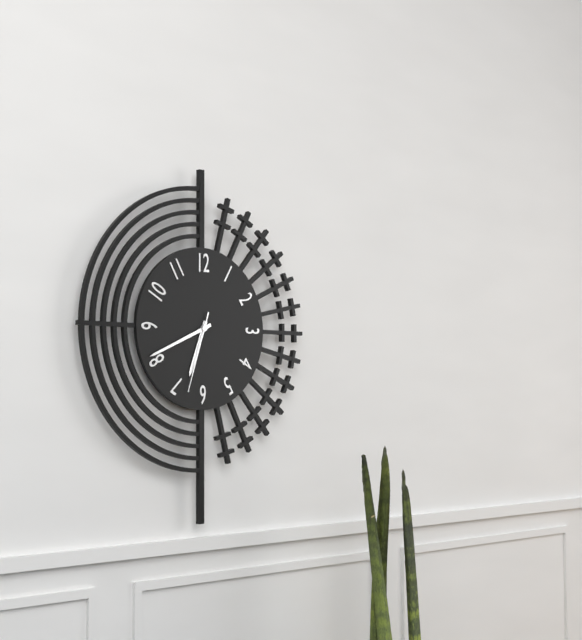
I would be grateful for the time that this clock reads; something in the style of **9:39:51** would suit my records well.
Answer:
**6:41:33**
